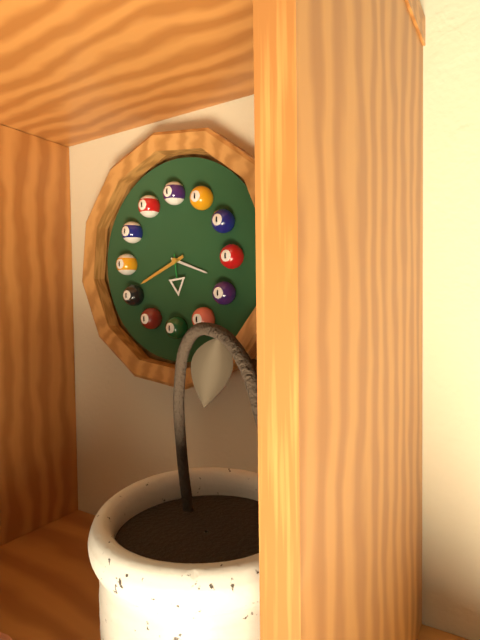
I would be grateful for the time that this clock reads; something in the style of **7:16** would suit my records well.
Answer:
**3:41**
